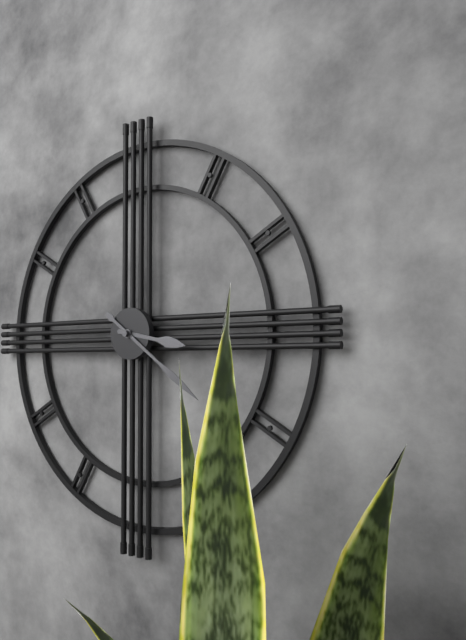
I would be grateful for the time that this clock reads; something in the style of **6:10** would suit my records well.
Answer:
**3:21**
